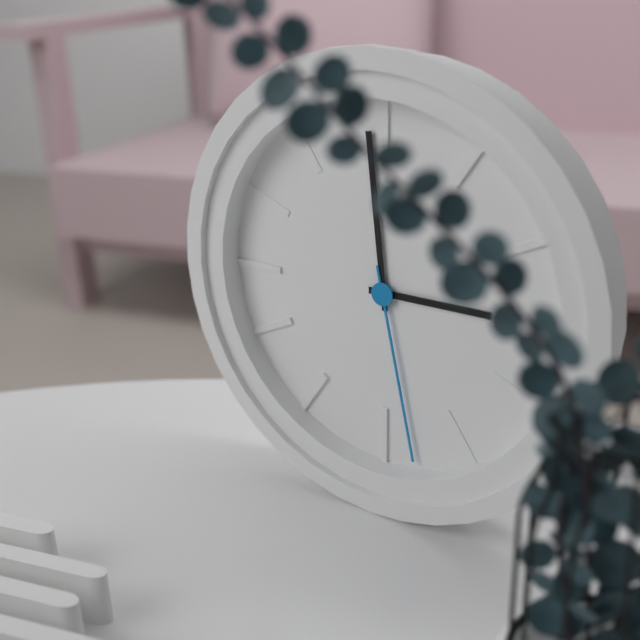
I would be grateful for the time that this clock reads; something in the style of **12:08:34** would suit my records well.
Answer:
**2:59:28**
